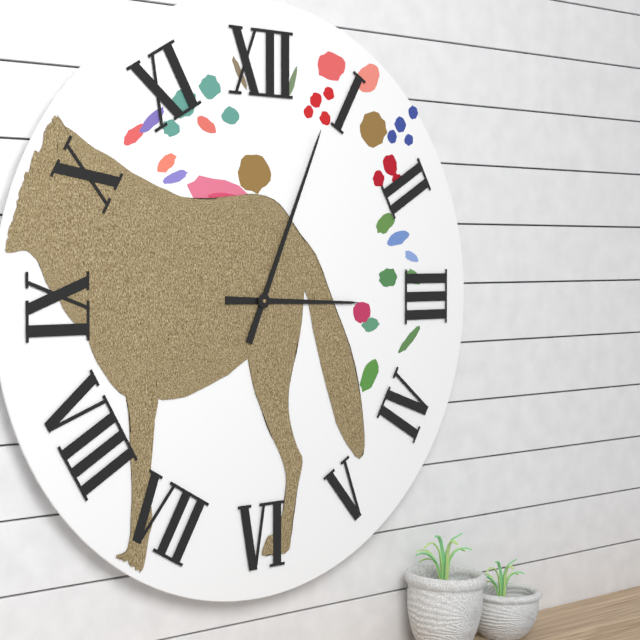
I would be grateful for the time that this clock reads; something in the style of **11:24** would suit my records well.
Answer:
**3:04**
